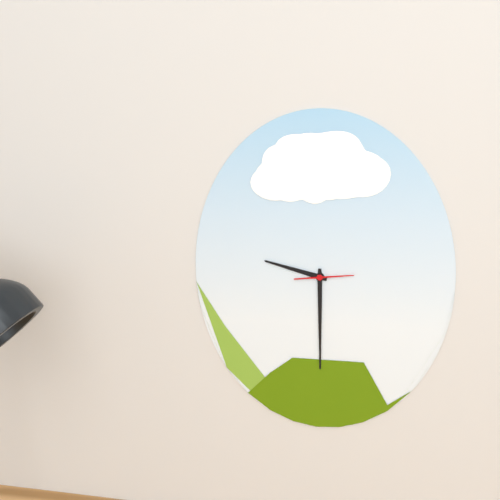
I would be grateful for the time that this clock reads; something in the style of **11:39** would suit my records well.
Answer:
**9:30**
